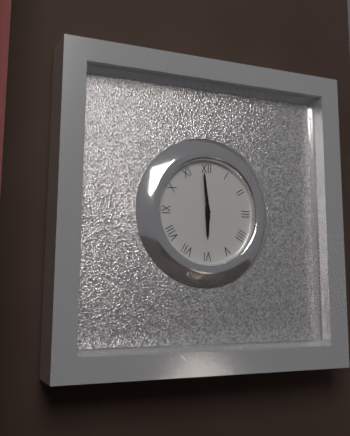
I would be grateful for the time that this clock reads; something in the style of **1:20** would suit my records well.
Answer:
**5:59**
